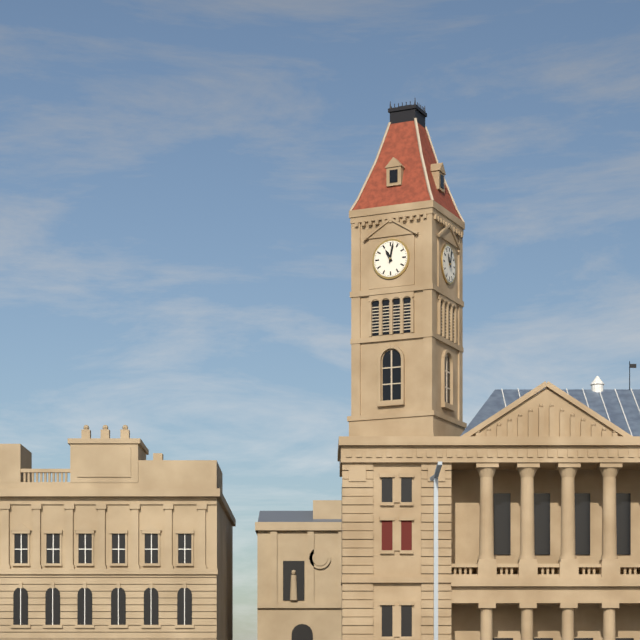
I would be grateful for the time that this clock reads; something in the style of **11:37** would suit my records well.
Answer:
**11:02**
